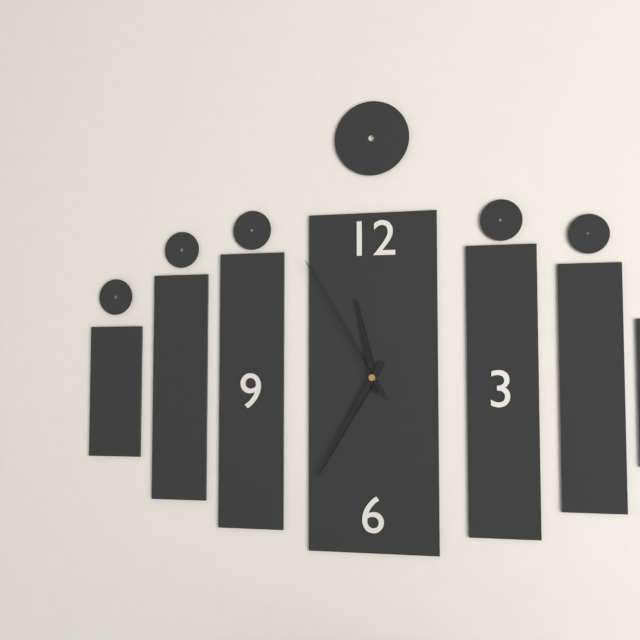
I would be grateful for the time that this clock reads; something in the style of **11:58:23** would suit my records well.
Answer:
**11:35:55**
